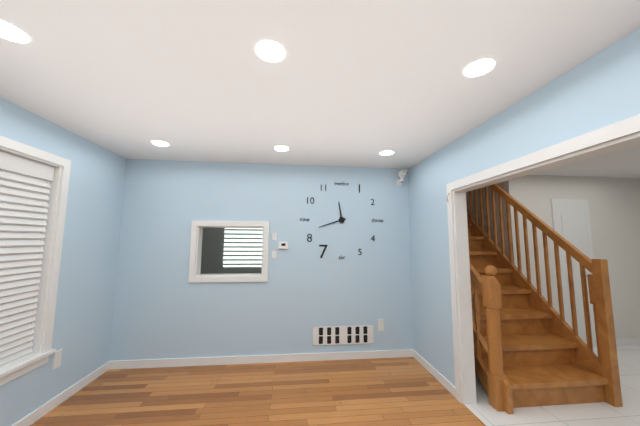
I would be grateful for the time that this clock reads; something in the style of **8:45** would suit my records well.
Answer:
**11:42**
